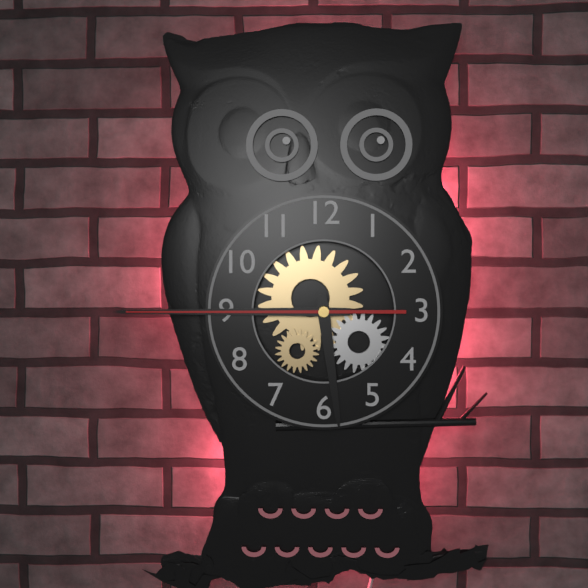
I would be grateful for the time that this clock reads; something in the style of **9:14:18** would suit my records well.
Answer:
**5:45:45**
